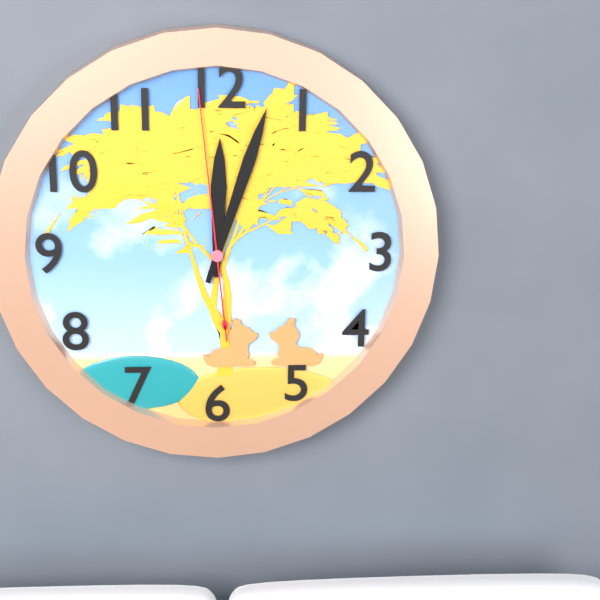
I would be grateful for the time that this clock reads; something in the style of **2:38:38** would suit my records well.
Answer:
**12:03:59**
